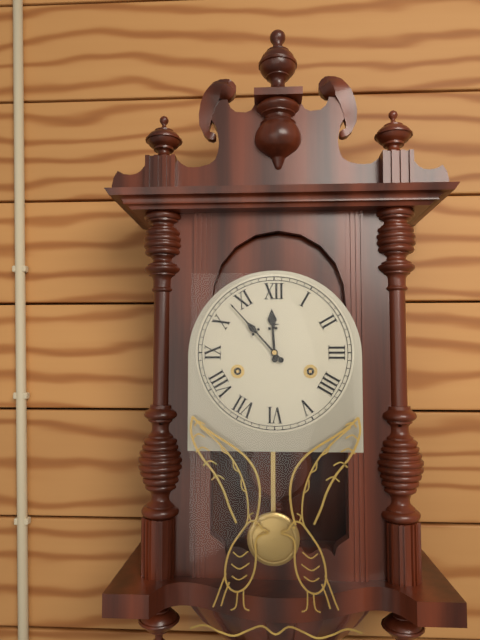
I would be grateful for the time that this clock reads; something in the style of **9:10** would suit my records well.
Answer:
**11:53**
